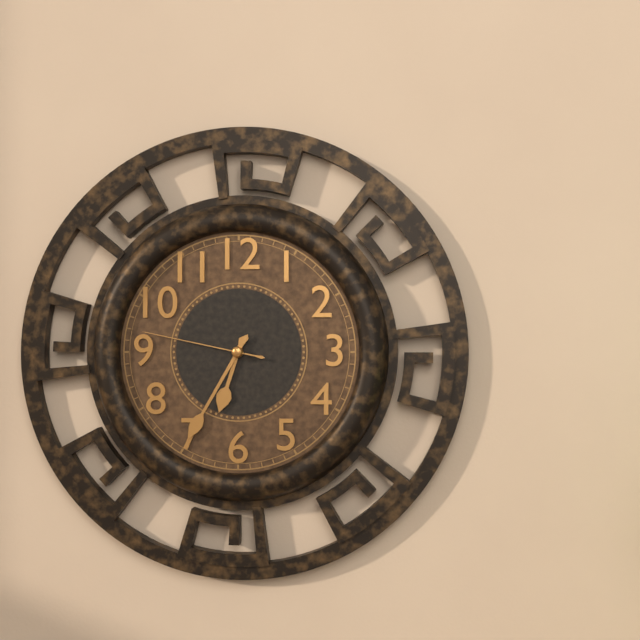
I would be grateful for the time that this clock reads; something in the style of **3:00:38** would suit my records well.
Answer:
**6:35:47**
